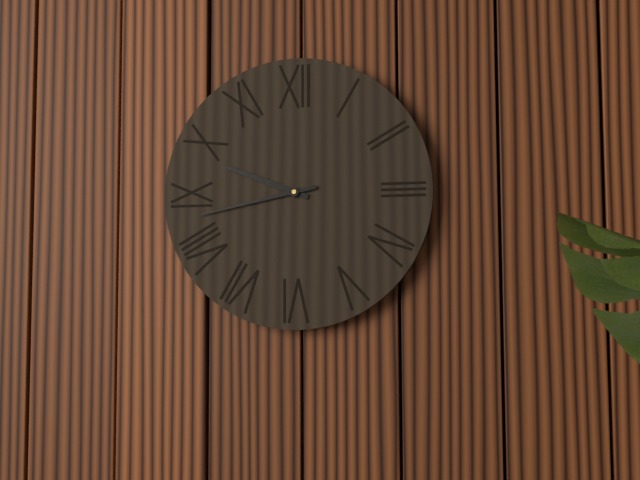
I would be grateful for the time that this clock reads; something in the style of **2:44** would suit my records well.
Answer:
**9:43**
